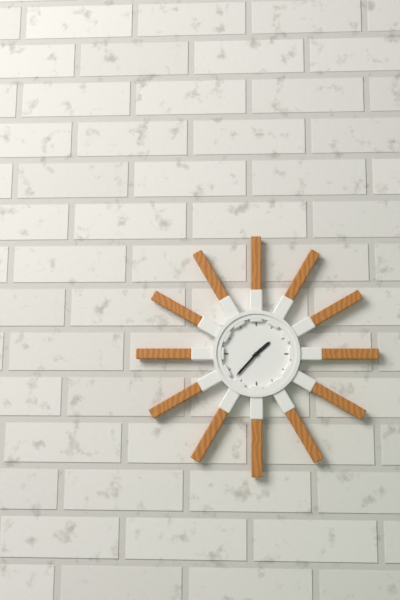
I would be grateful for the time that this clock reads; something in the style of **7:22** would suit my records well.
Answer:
**1:37**
